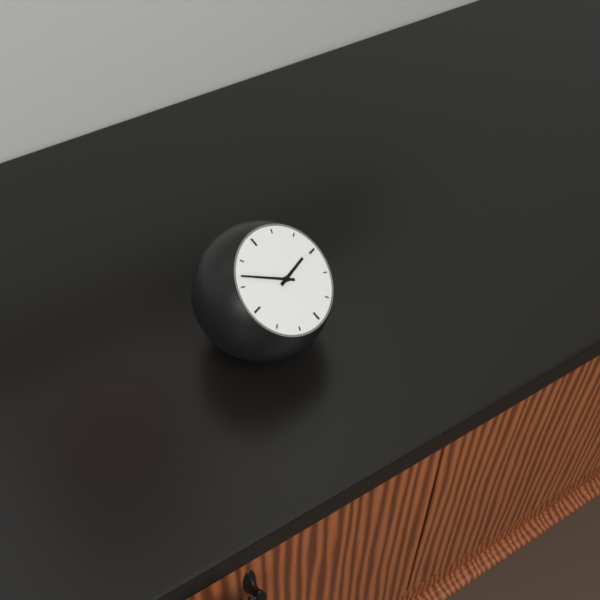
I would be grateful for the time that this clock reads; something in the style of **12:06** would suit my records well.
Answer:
**2:52**
